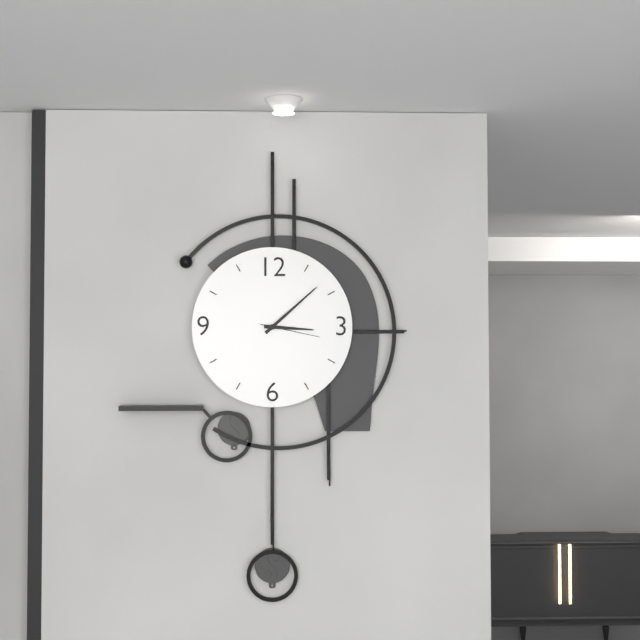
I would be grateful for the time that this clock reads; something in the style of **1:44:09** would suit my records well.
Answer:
**3:08:17**
